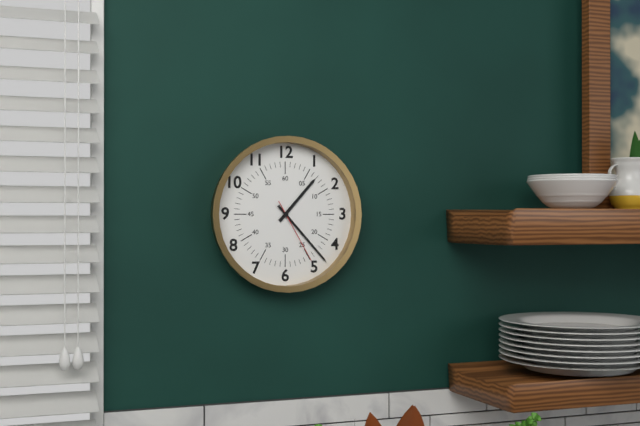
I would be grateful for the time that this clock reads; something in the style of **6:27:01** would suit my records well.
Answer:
**1:23:25**
